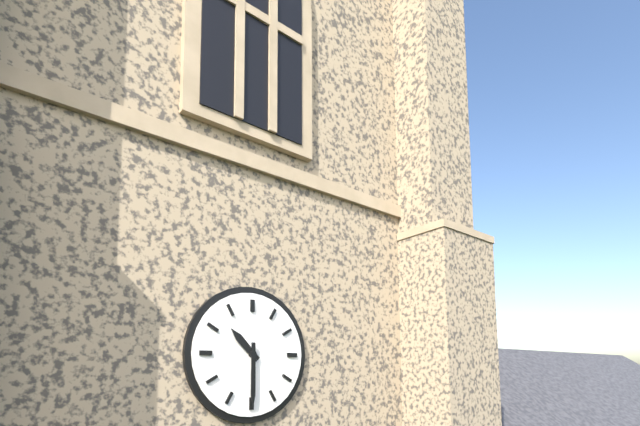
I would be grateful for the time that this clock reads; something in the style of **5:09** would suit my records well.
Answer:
**10:30**
